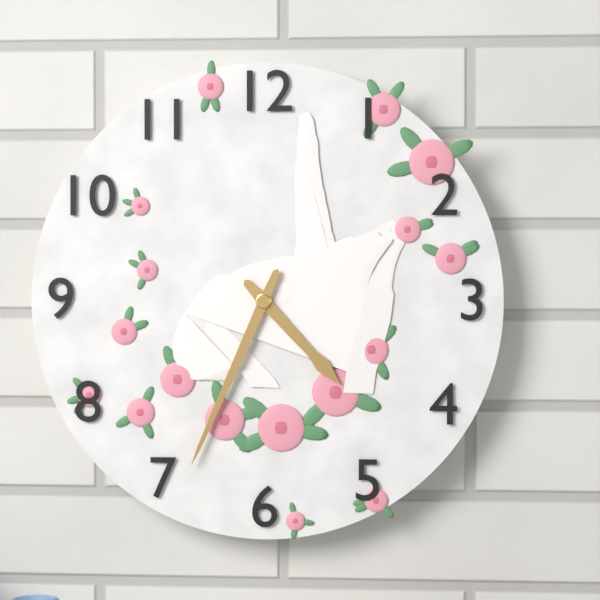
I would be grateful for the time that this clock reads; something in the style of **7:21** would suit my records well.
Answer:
**4:34**
